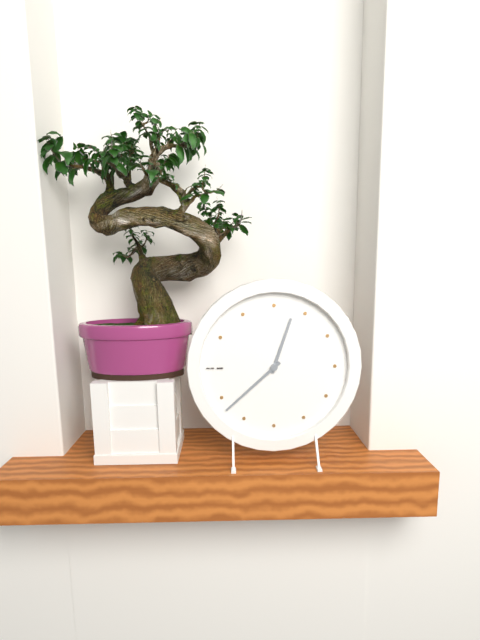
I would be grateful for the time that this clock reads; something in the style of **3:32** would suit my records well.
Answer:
**12:38**
